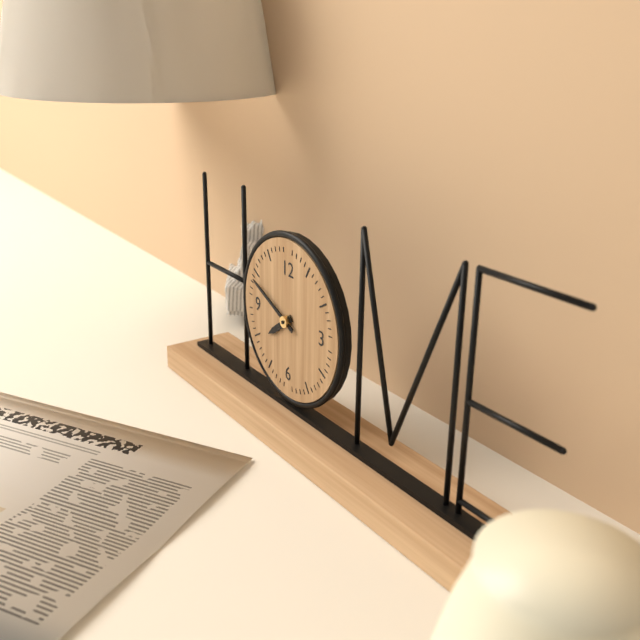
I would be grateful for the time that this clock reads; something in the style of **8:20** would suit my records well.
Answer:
**7:49**
